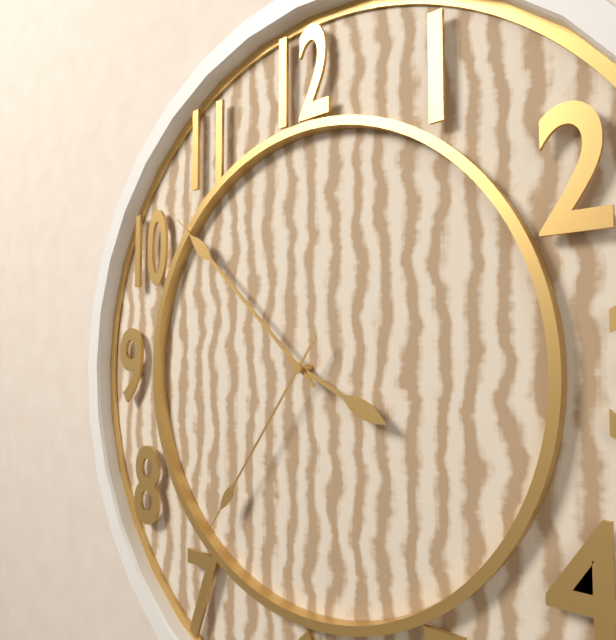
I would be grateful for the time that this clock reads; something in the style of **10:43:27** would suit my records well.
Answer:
**3:52:36**
